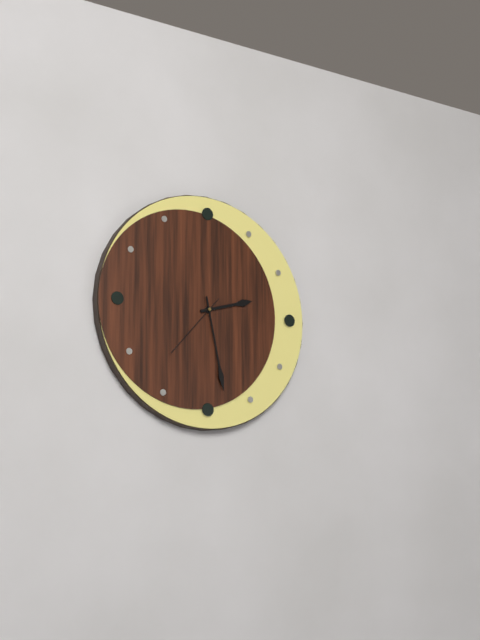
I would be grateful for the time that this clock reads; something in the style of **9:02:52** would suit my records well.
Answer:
**2:28:37**
